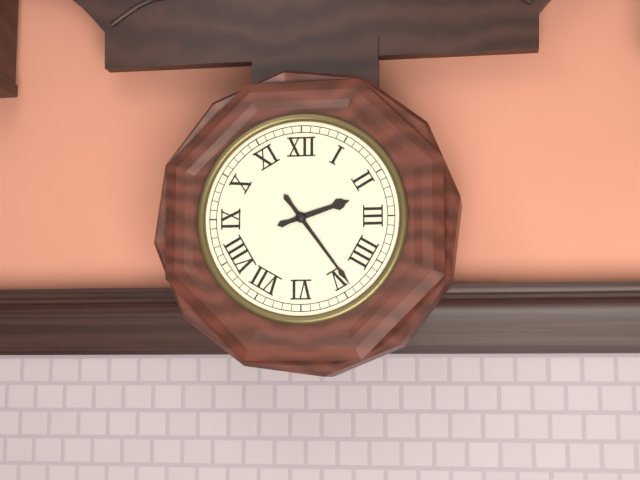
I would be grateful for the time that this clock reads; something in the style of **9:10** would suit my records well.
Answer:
**2:24**
